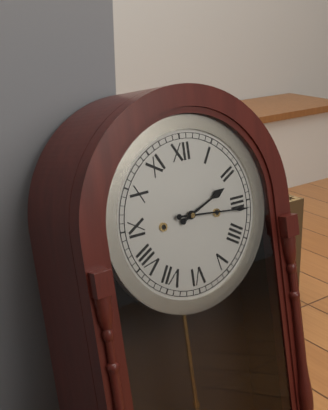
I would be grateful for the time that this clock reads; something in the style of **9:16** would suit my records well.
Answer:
**2:16**
